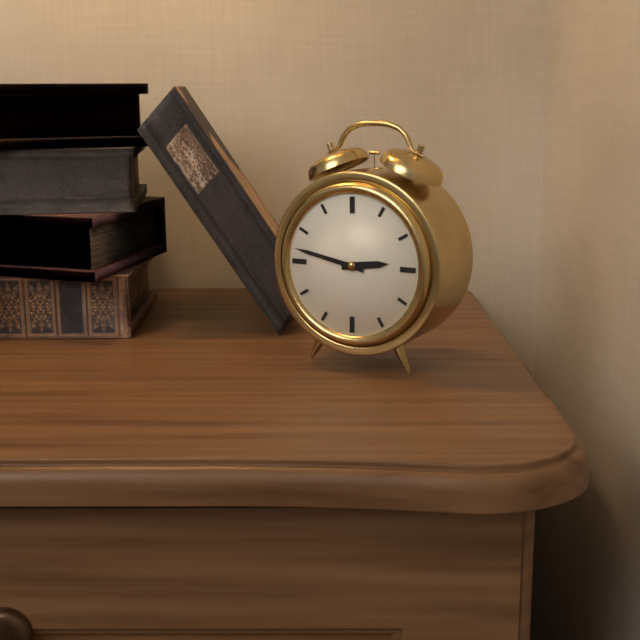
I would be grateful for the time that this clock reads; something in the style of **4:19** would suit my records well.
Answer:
**2:47**
